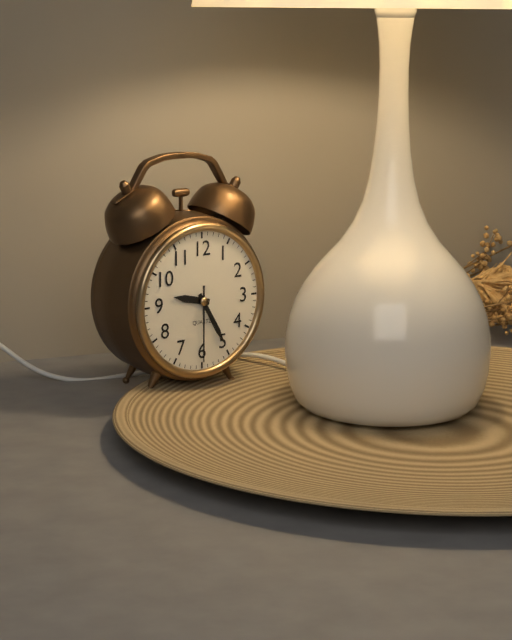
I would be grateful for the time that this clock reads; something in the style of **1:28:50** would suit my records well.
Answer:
**9:25:30**
